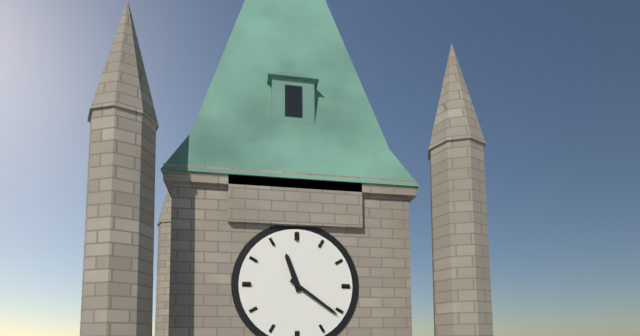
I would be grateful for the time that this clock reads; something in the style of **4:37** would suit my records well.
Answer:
**11:21**
